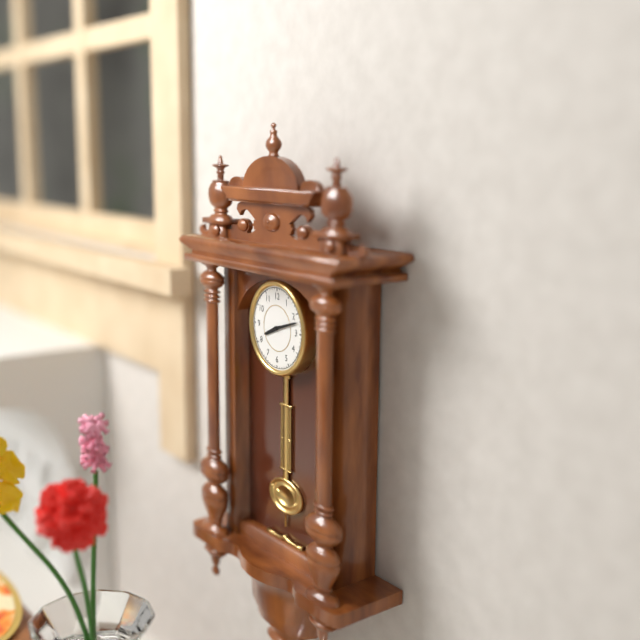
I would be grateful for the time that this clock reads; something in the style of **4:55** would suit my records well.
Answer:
**8:12**
